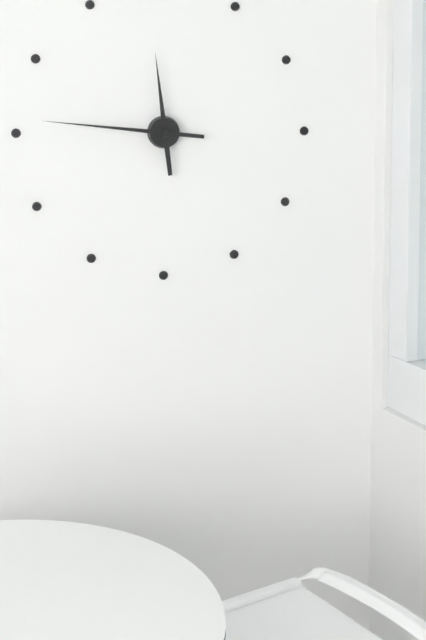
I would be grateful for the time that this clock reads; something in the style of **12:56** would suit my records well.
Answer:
**11:46**
